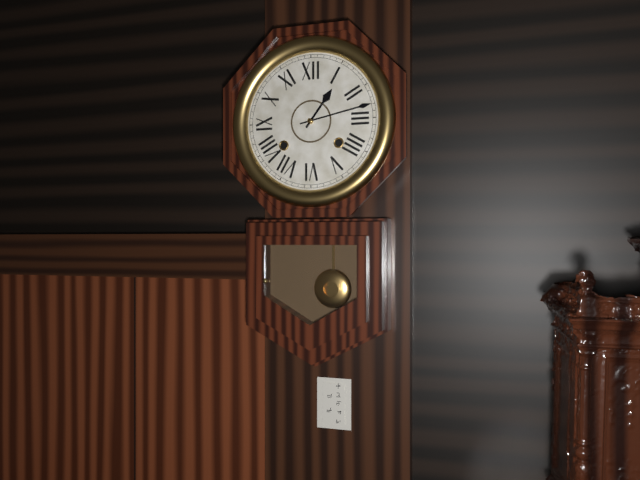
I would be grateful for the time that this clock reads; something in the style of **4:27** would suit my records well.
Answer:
**1:13**
